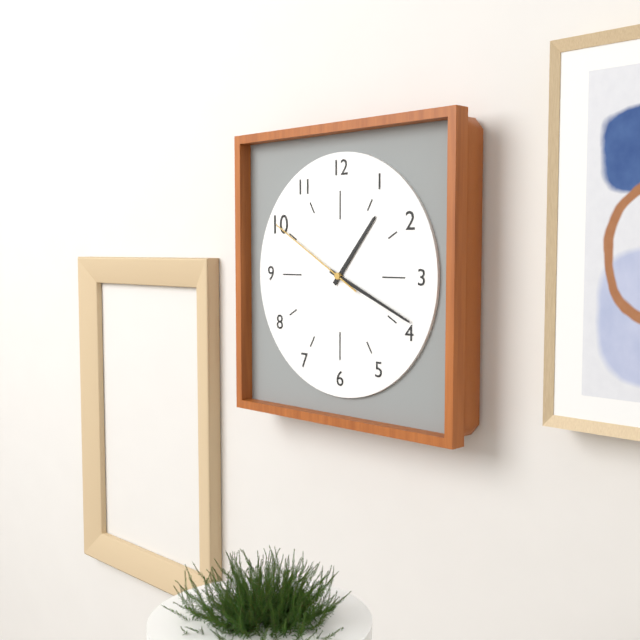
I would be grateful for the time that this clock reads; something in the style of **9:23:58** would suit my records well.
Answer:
**1:19:50**
